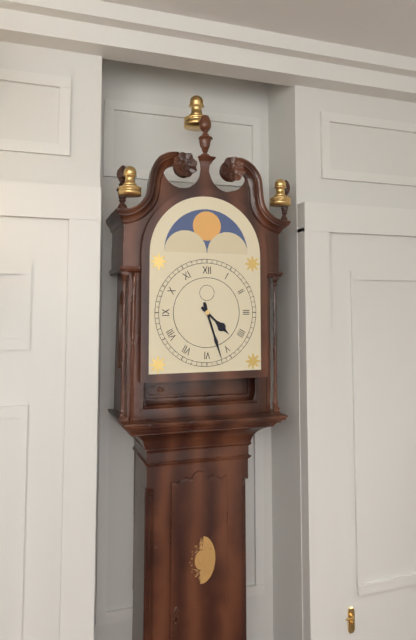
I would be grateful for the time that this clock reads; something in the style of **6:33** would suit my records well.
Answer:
**4:27**
